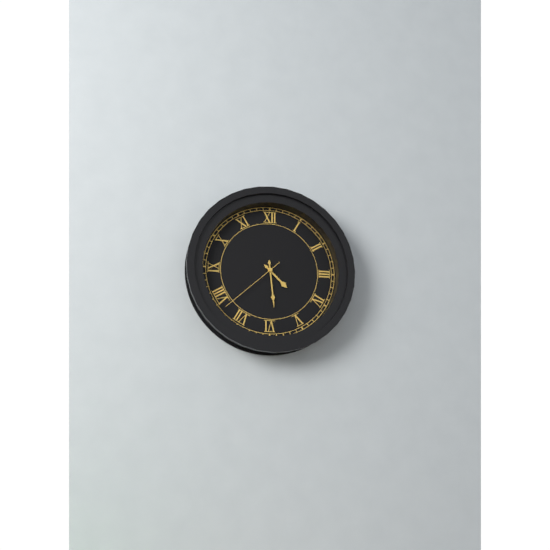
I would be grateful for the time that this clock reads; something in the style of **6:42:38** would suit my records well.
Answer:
**4:29:38**
